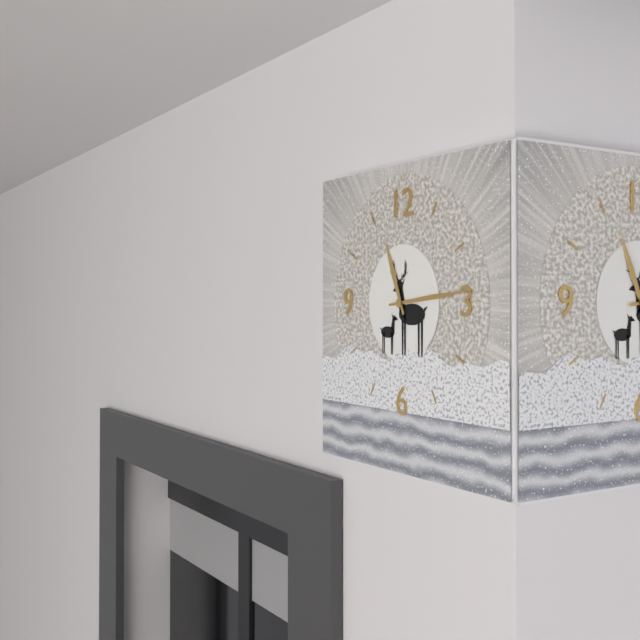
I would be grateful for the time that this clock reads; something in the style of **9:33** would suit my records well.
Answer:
**11:14**
